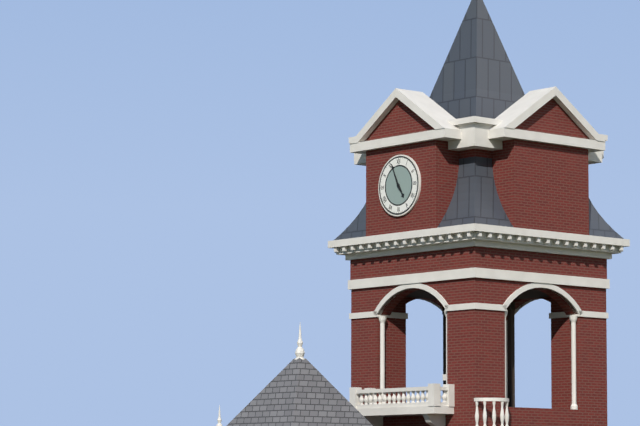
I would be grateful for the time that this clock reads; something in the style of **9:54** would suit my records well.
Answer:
**4:56**
